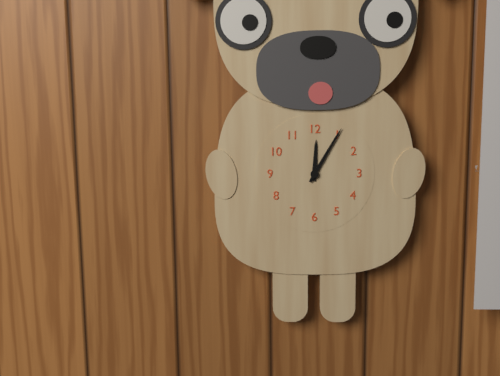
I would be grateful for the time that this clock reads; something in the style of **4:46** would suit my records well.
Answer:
**12:05**
